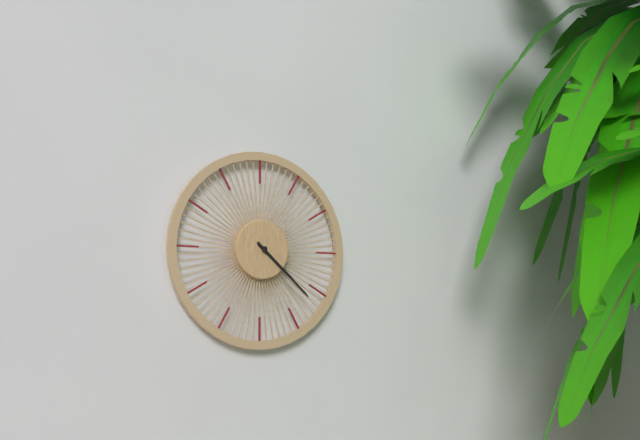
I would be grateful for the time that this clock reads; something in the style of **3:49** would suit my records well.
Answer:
**4:22**
